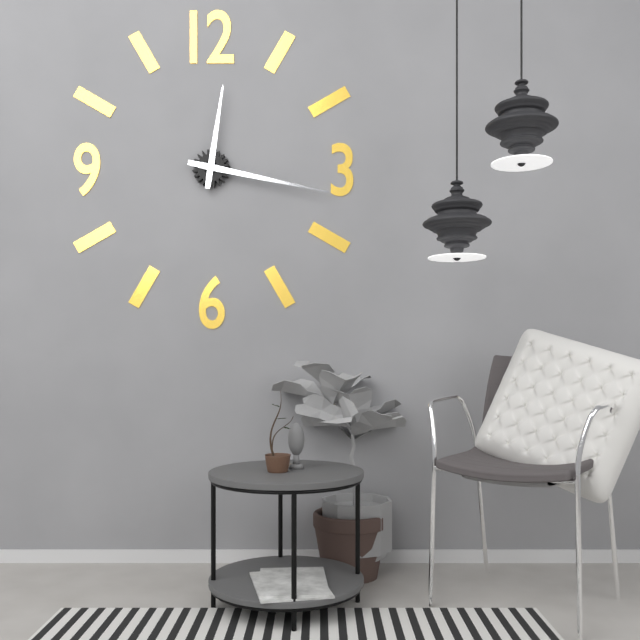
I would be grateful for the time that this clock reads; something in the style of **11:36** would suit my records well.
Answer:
**12:17**
